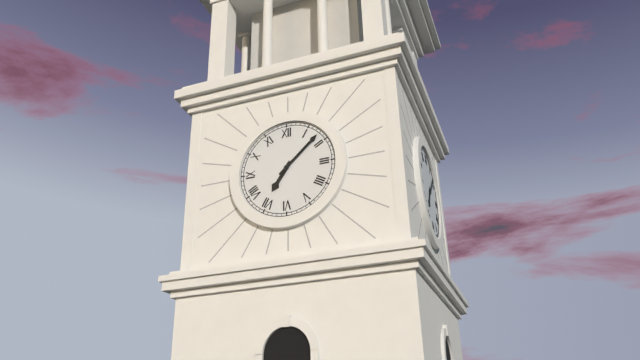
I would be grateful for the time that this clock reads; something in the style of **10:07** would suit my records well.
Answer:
**7:08**
